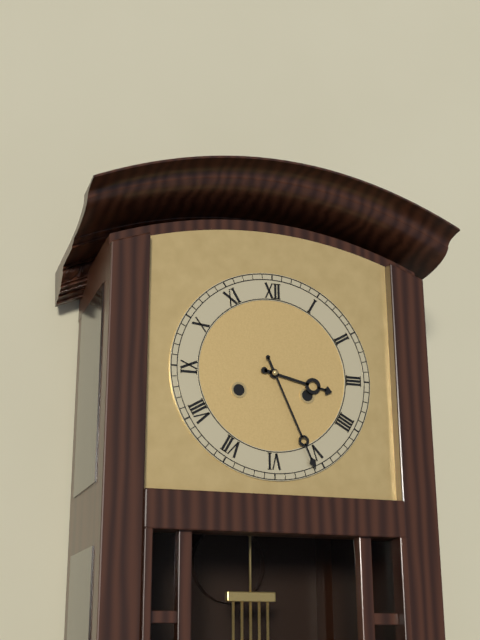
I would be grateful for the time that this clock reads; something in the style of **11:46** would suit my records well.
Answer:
**3:26**
